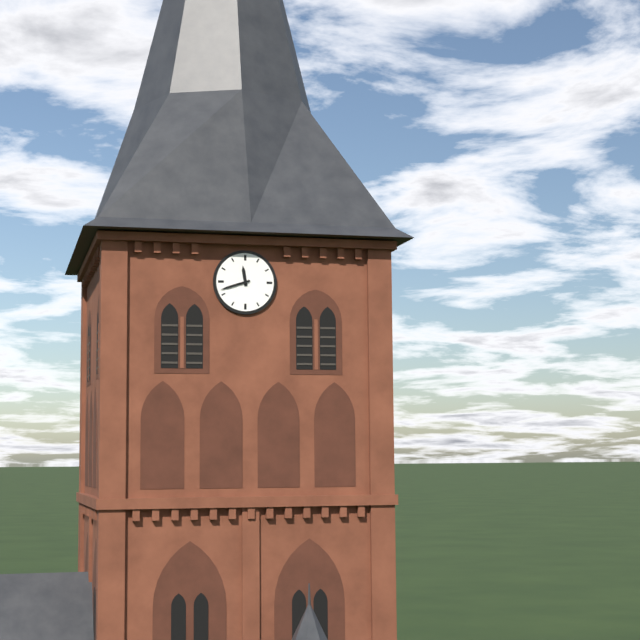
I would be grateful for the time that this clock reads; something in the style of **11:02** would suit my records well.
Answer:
**11:42**
